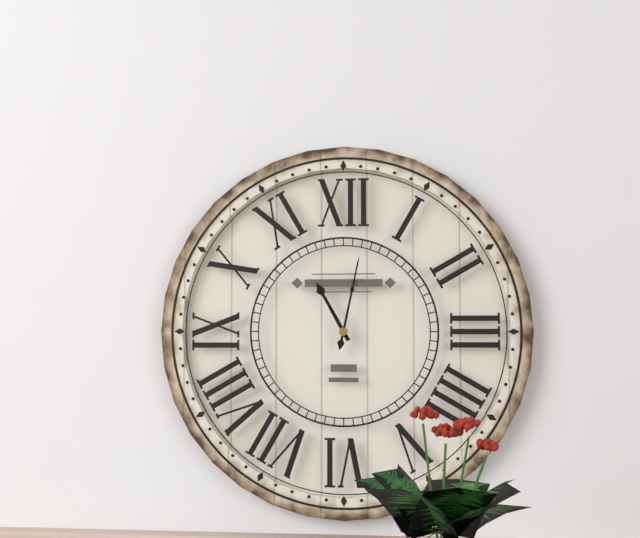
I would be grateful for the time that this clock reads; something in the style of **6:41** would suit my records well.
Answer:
**11:02**
